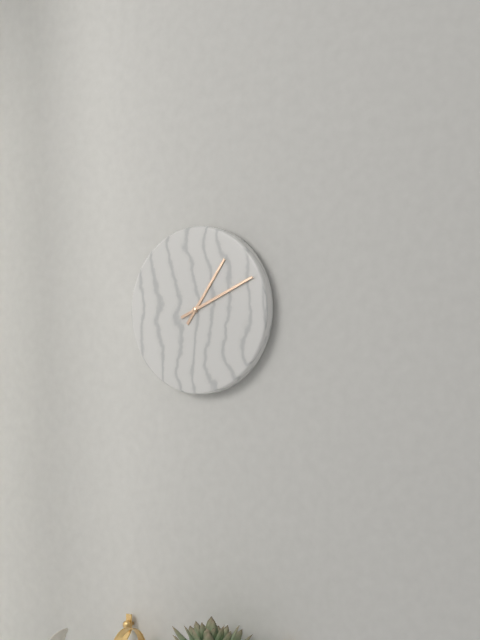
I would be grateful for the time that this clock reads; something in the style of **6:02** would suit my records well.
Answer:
**1:11**
